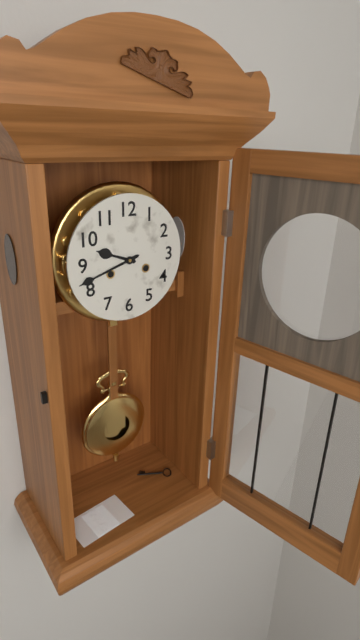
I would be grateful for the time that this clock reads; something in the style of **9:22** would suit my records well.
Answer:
**9:42**
